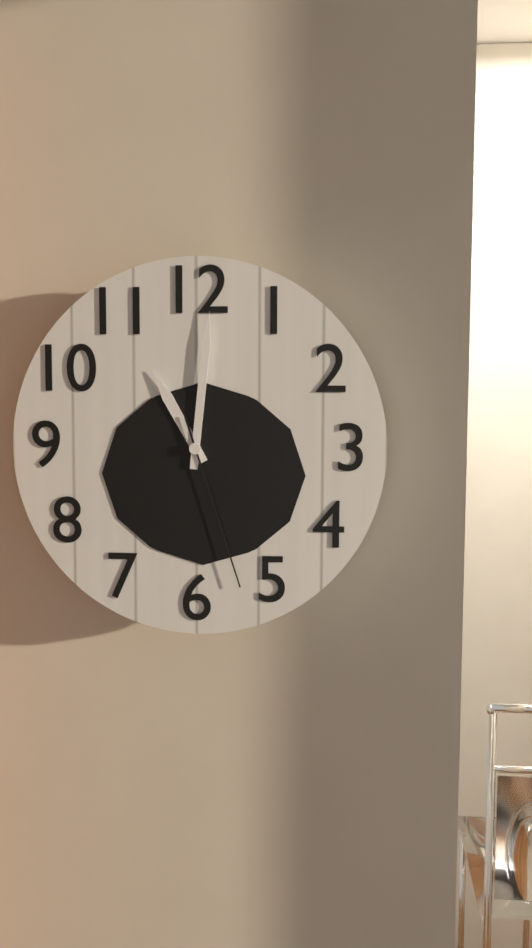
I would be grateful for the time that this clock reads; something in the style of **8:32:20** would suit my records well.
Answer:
**11:01:27**
